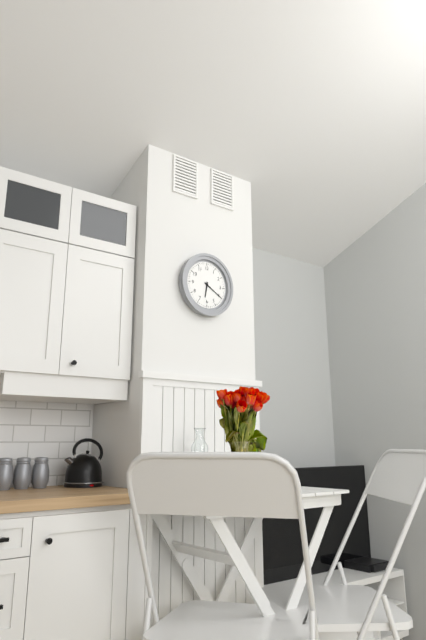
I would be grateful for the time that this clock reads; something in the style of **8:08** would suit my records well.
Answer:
**6:20**
